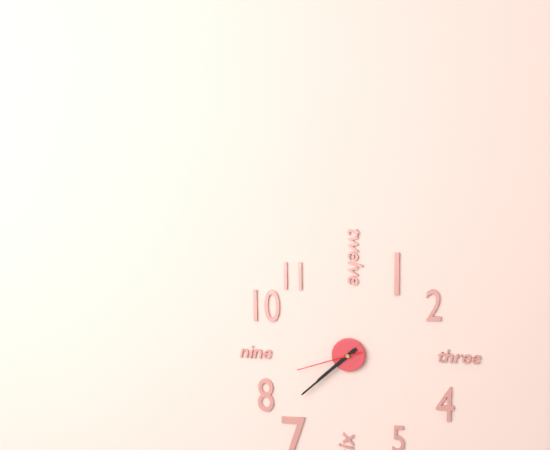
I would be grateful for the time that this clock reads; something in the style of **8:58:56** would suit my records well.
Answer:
**7:38:42**
